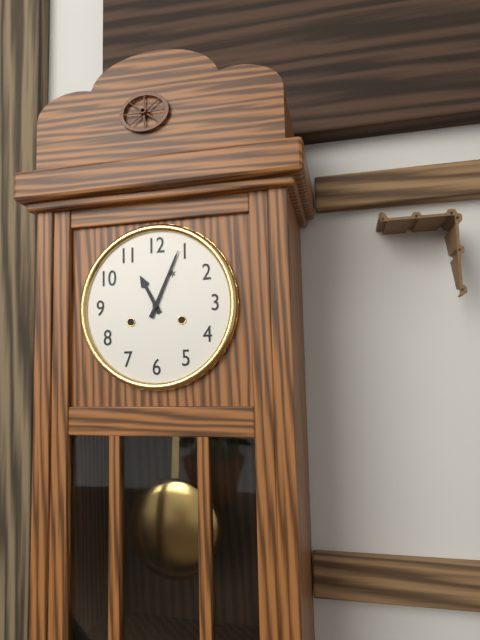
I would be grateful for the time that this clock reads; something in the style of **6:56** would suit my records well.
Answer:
**11:04**
